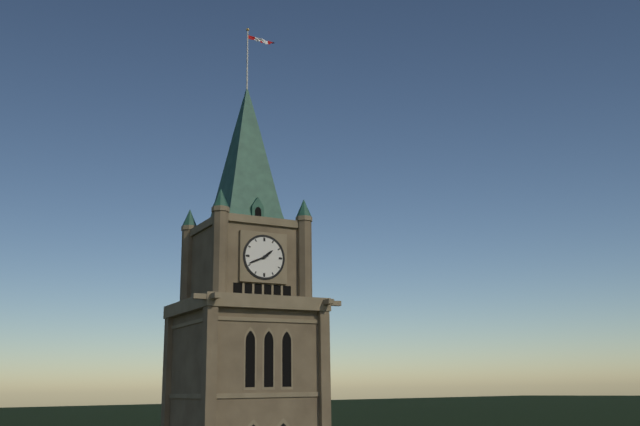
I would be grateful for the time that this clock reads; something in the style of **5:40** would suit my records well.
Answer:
**1:41**
